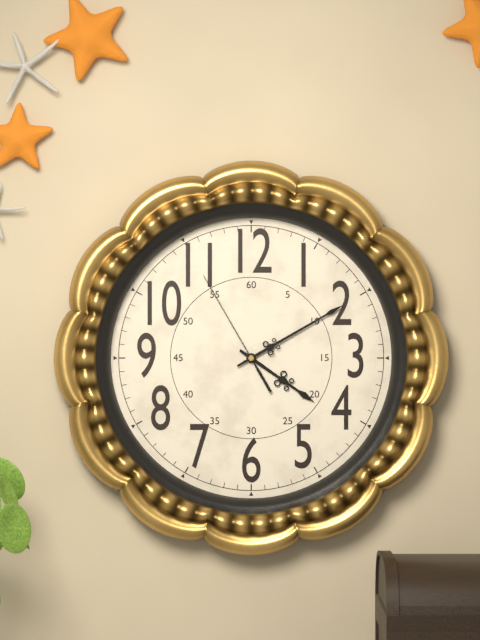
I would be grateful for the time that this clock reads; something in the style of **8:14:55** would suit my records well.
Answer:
**4:10:55**
